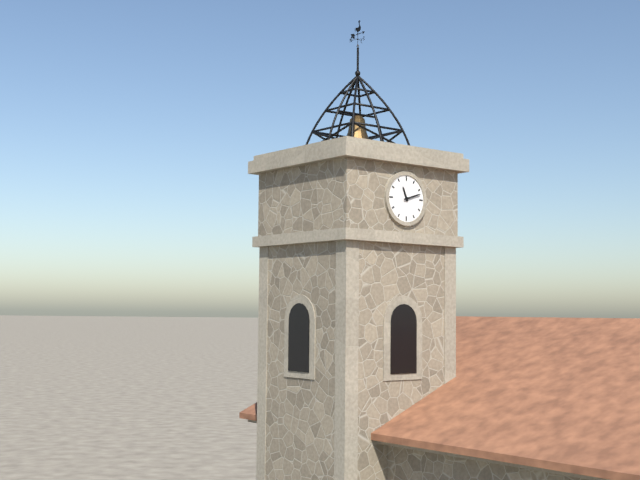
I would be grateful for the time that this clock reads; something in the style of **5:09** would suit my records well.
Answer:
**11:12**
